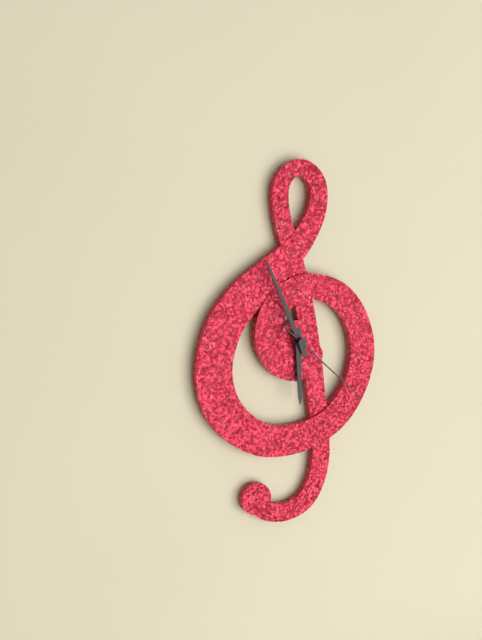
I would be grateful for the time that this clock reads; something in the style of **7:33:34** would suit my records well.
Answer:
**5:56:22**
